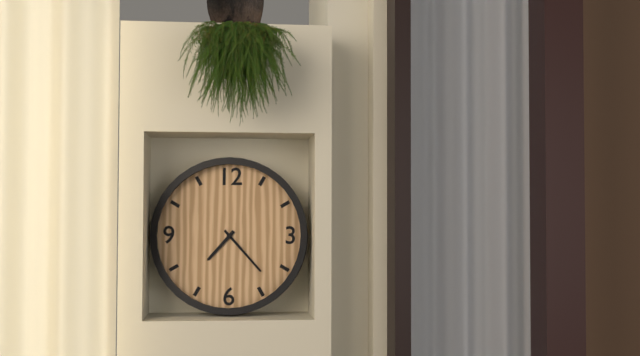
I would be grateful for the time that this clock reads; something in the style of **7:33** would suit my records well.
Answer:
**7:23**
